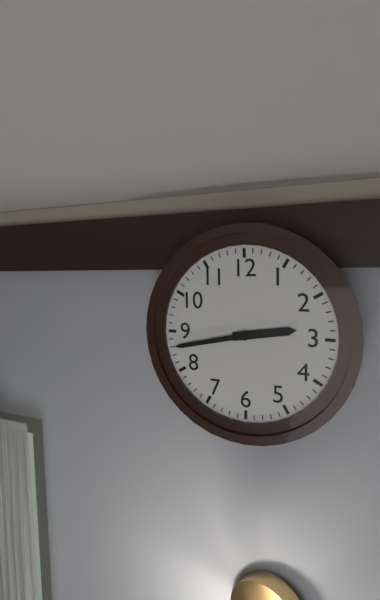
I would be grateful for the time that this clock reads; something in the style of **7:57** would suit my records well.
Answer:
**2:43**
